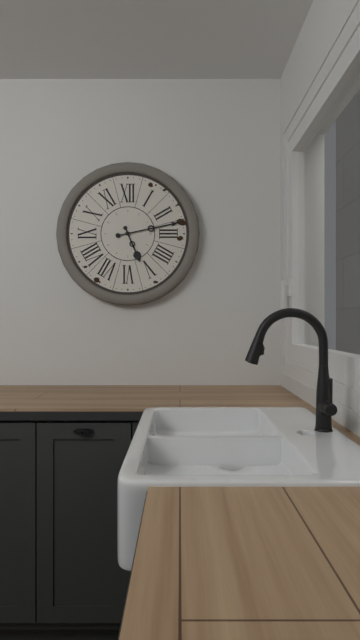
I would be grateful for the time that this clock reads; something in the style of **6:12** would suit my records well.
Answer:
**5:13**
